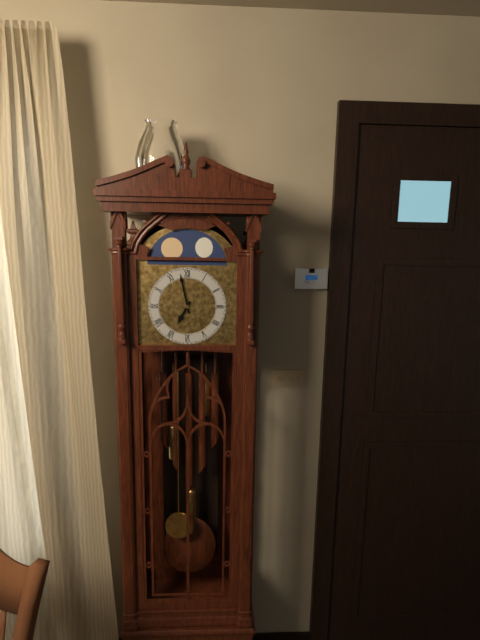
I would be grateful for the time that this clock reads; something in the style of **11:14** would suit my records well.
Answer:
**6:58**
